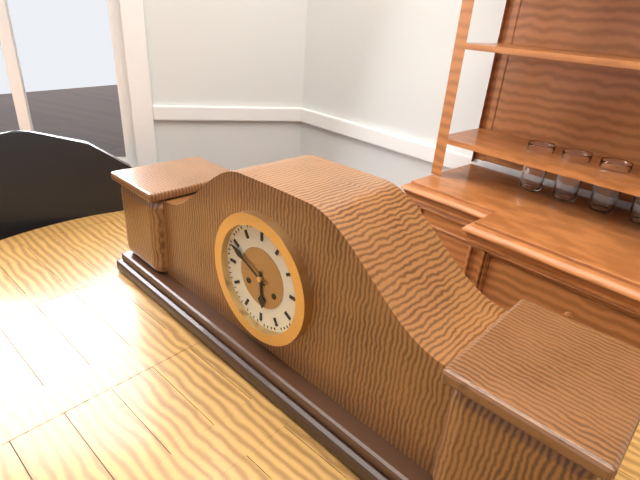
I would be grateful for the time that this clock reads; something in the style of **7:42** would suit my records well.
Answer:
**5:49**
